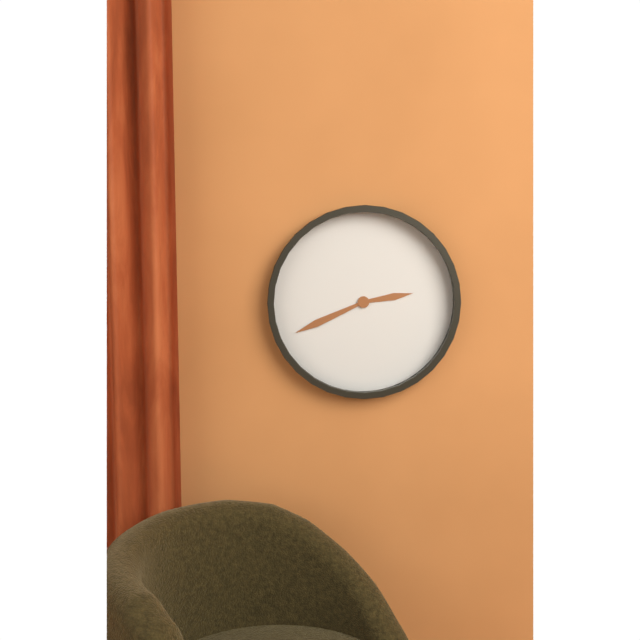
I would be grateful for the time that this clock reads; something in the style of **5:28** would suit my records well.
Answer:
**2:41**
